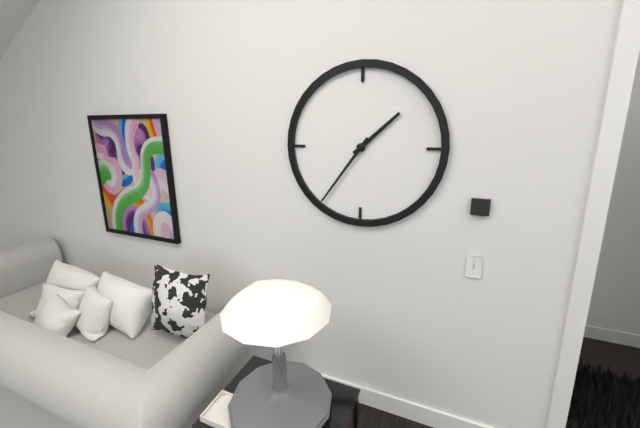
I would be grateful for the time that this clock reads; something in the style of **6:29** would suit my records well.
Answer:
**1:36**
